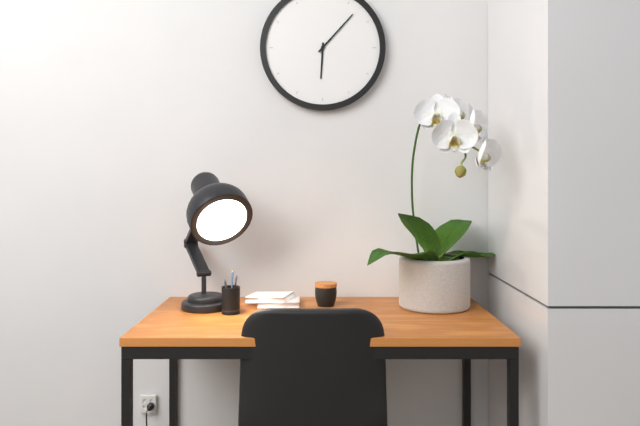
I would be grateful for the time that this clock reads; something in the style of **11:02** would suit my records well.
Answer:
**6:07**
